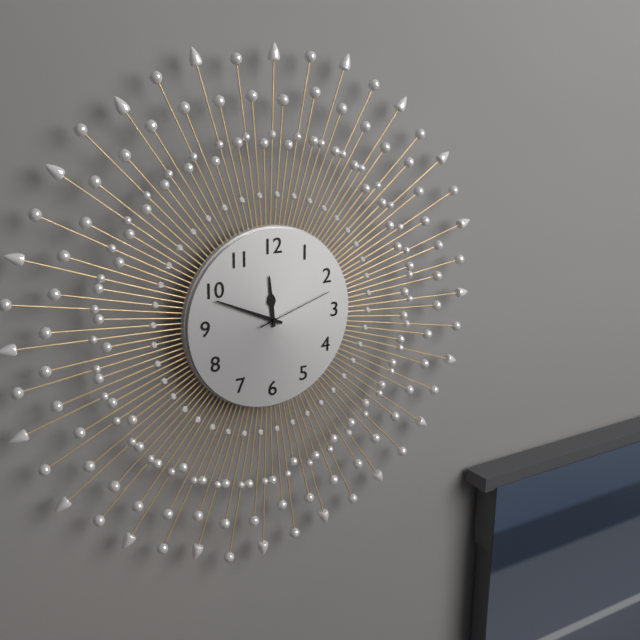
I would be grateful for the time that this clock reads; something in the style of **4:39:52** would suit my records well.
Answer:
**11:49:12**
